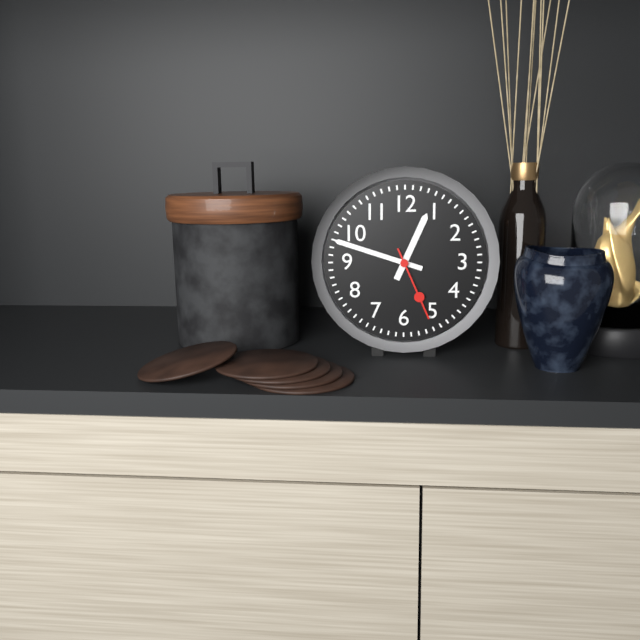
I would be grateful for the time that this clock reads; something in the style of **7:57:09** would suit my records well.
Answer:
**12:48:26**
